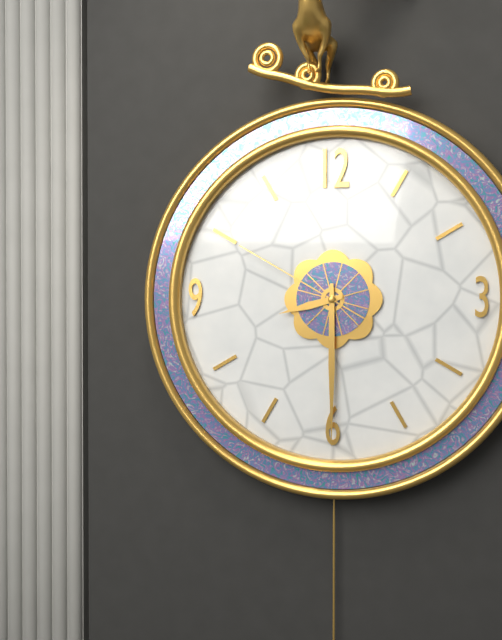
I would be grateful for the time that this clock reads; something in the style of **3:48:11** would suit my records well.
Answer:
**8:30:50**
